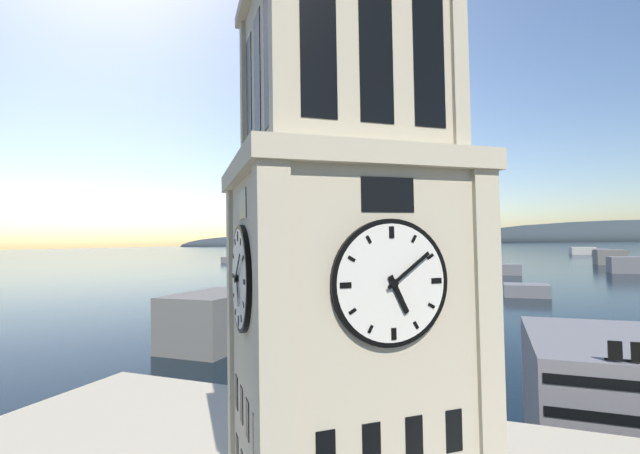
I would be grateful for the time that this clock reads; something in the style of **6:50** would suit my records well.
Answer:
**5:09**
